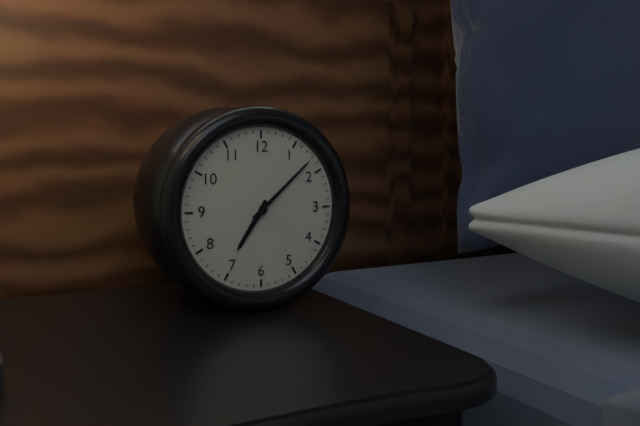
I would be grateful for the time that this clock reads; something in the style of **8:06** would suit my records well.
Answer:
**7:08**
